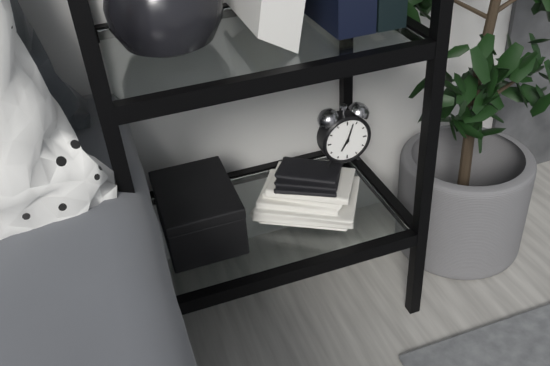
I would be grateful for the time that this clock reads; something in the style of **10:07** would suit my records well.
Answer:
**7:03**
